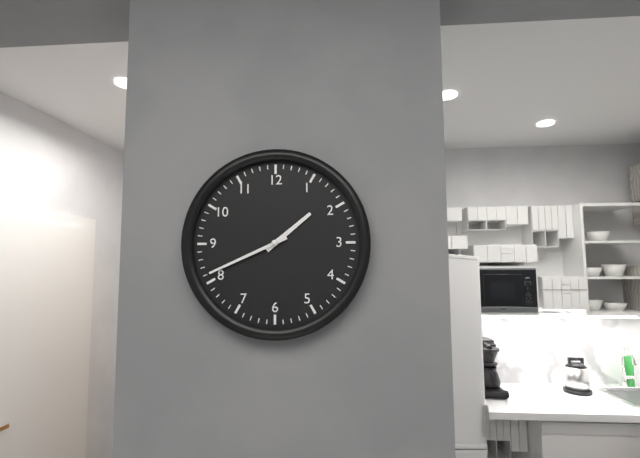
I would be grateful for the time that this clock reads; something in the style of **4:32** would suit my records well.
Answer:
**1:41**
